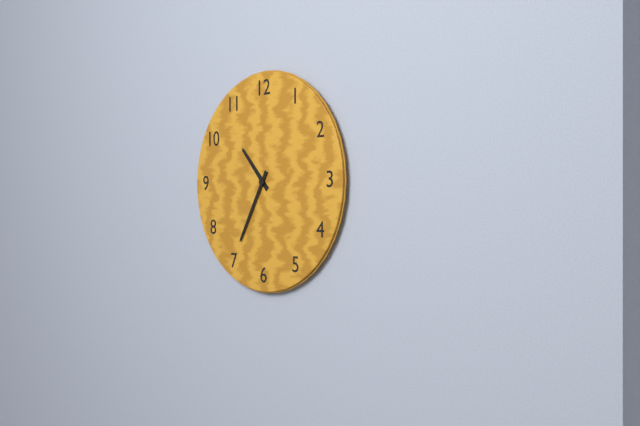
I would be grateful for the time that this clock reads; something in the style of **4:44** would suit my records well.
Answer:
**10:35**
